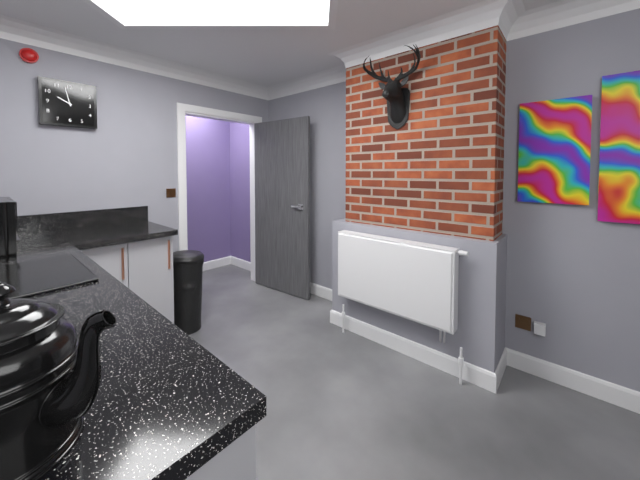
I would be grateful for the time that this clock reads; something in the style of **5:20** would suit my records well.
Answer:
**9:58**
